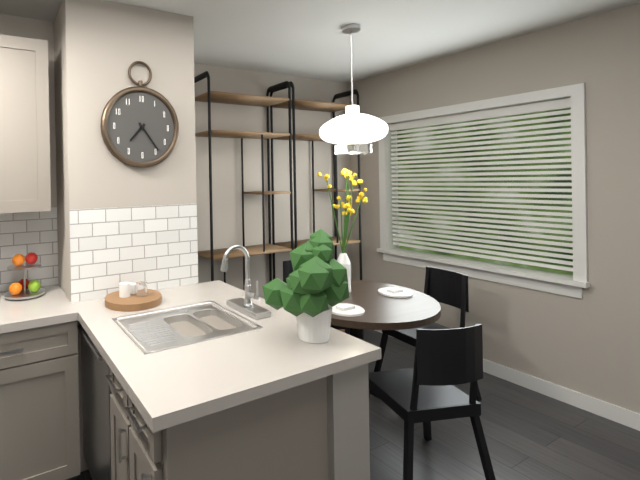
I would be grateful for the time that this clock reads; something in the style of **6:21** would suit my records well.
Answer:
**7:24**
